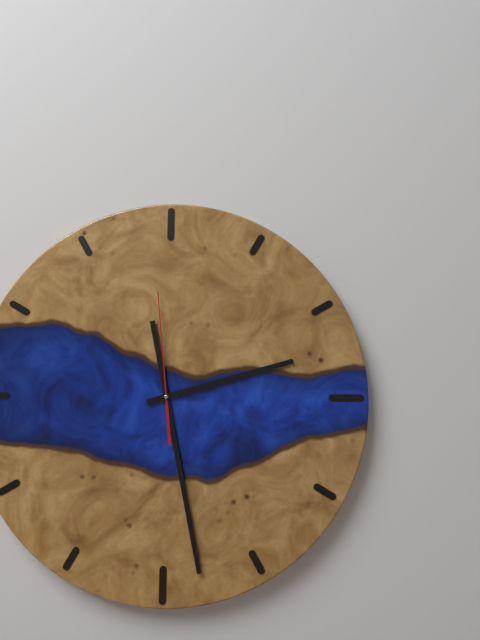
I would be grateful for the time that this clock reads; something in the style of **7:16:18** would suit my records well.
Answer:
**2:28:59**
